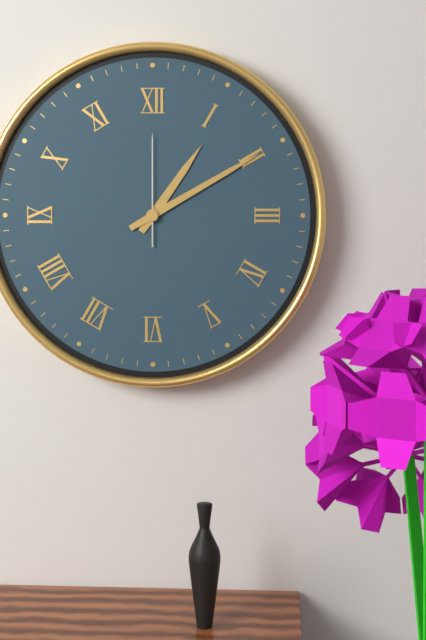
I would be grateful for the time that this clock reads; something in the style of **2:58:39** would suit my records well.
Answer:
**1:10:00**
